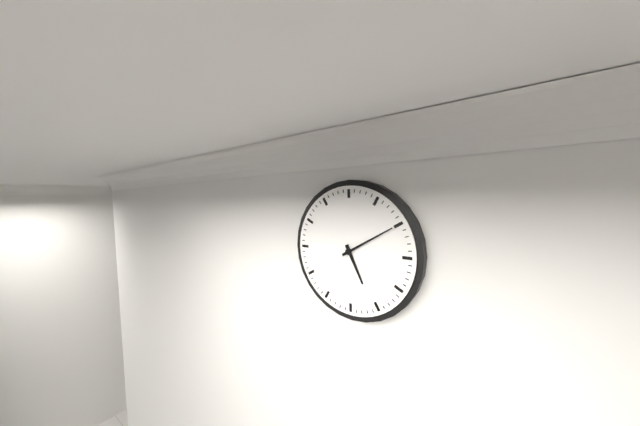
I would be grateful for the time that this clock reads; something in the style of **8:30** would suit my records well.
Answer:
**5:10**
